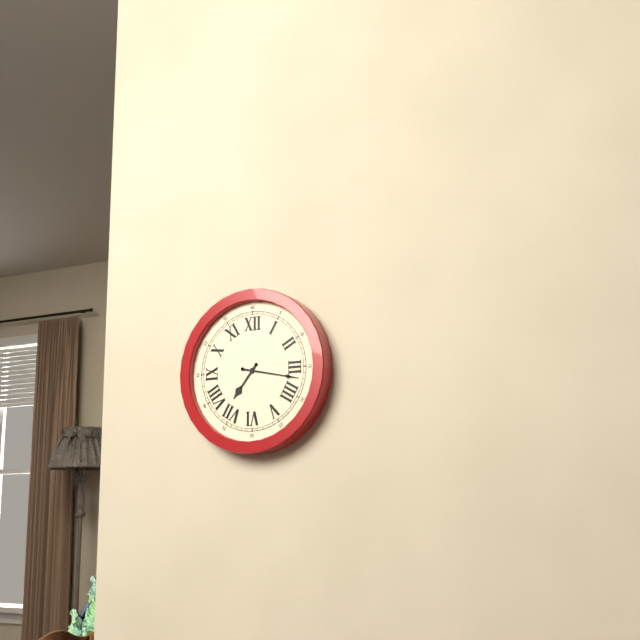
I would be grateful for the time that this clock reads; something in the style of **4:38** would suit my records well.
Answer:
**7:17**
